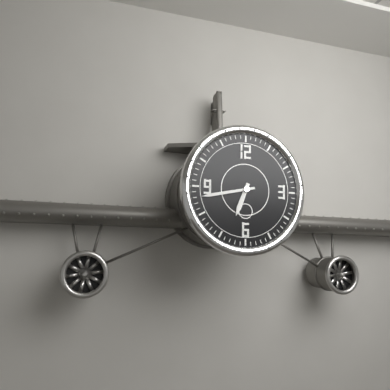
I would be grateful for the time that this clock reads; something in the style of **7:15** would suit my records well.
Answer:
**6:43**
